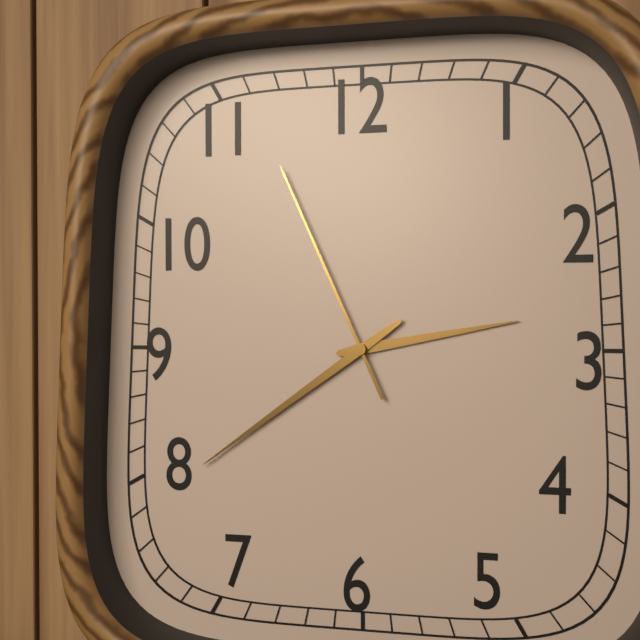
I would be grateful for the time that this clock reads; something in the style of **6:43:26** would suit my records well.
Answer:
**2:39:56**
